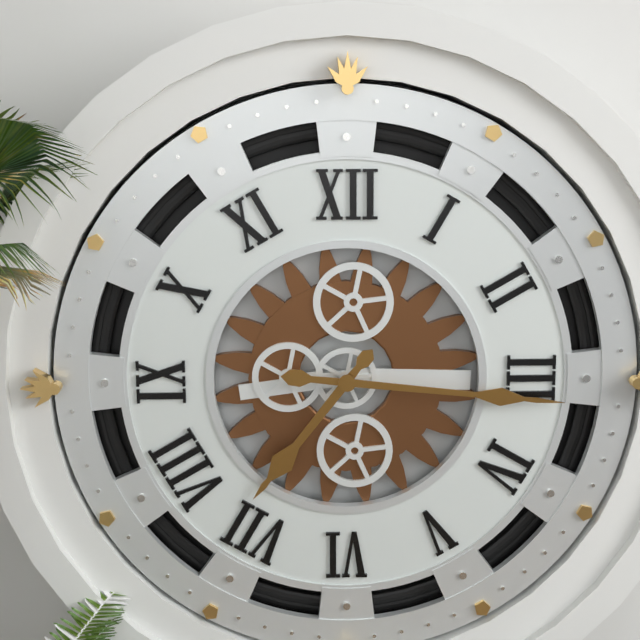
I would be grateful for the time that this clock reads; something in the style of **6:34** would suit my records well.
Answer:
**7:16**
